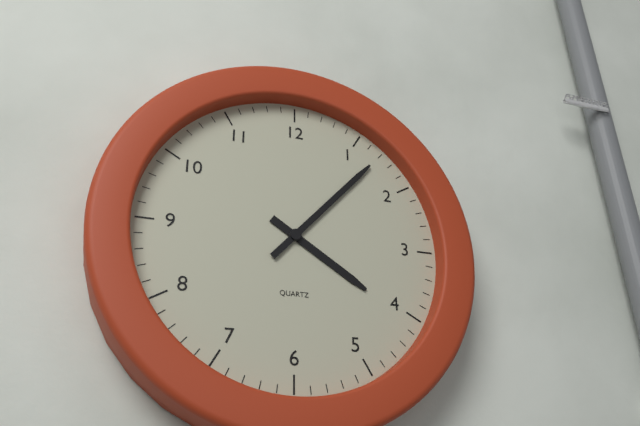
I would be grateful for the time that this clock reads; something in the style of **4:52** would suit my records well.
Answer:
**4:07**
